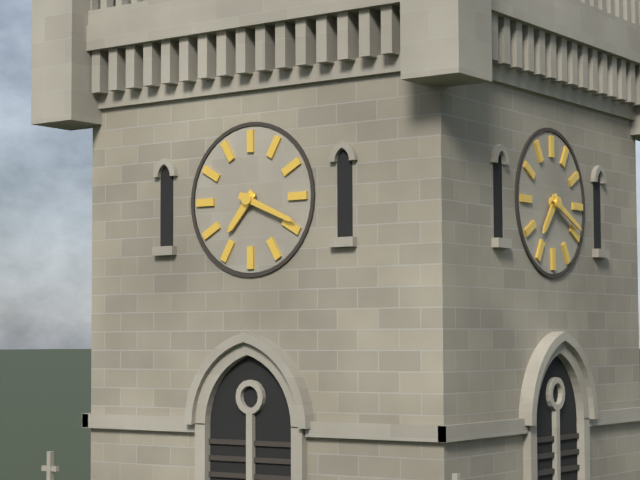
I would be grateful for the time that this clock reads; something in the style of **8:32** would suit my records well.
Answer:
**7:19**
